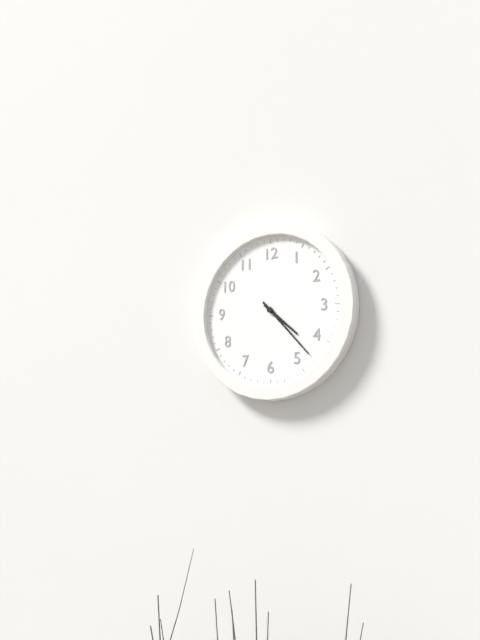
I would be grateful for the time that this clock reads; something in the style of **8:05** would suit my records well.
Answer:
**4:23**
